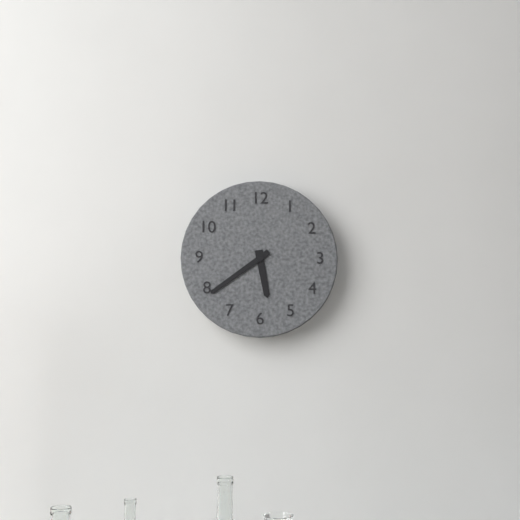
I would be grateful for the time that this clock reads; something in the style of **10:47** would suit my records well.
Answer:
**5:39**
